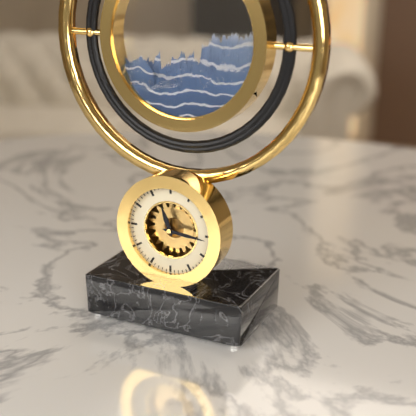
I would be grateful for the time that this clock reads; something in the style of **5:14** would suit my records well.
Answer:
**11:16**
